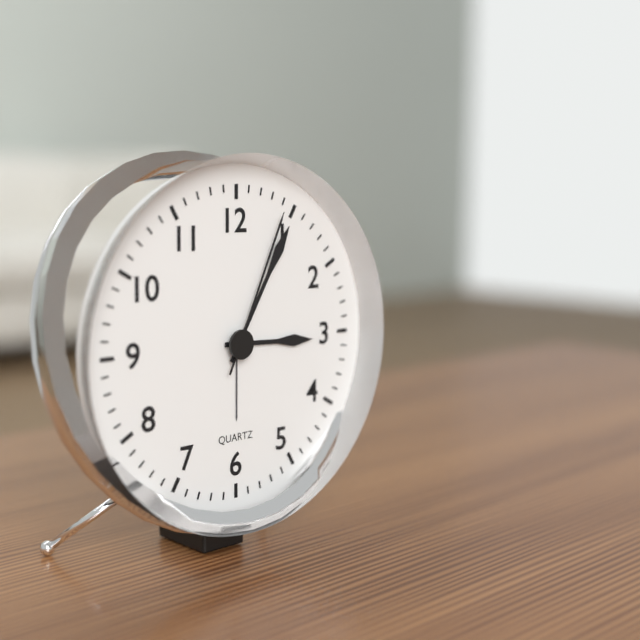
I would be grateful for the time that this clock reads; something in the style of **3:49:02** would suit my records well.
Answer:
**3:05:04**
